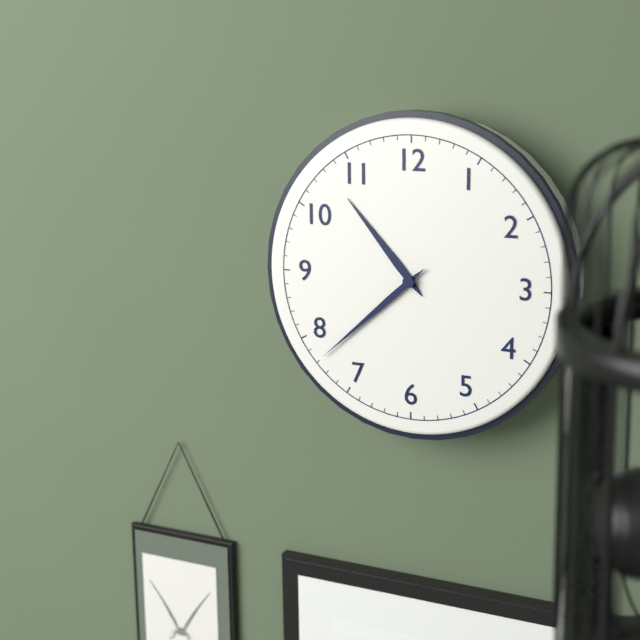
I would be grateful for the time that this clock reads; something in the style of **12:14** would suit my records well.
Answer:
**10:38**
